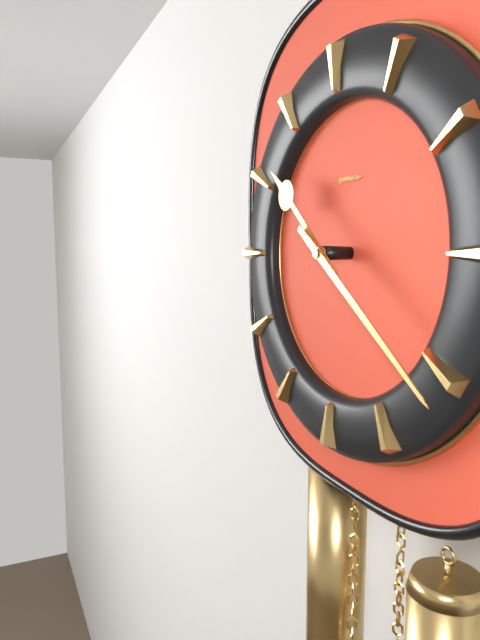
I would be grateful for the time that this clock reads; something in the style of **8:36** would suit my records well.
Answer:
**10:21**
